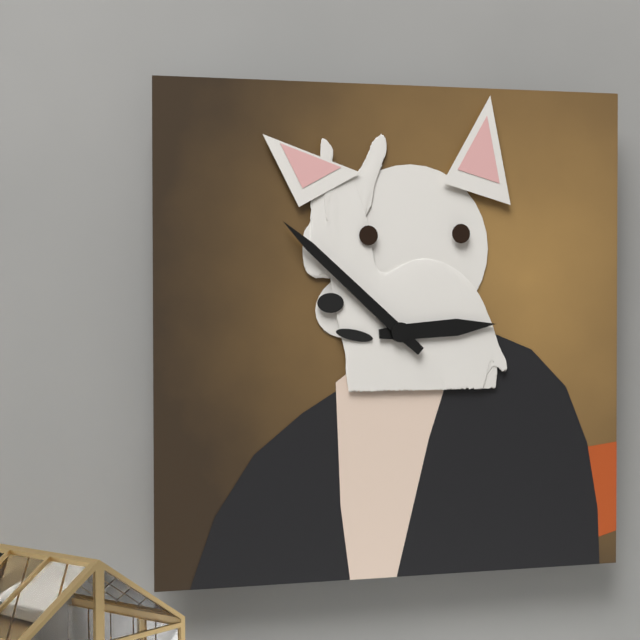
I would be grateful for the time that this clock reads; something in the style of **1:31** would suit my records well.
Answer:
**2:52**
